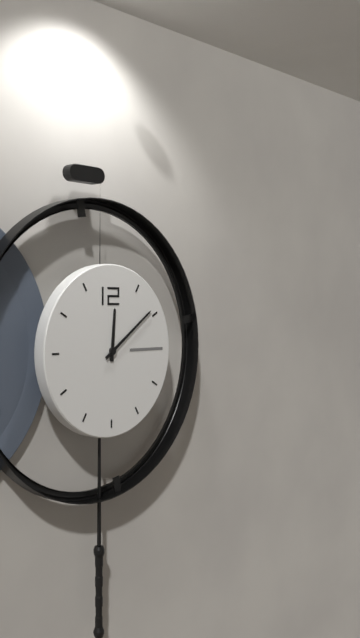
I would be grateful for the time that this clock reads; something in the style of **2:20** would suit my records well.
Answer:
**12:09**
